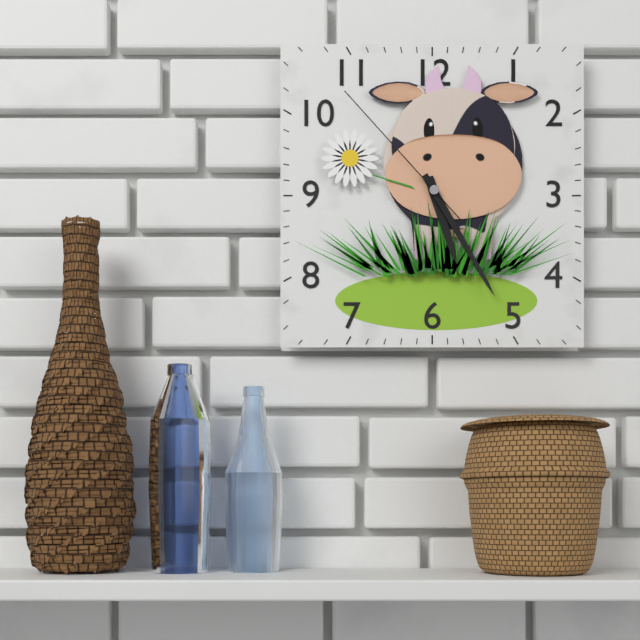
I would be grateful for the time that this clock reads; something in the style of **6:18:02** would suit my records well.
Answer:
**5:25:53**
